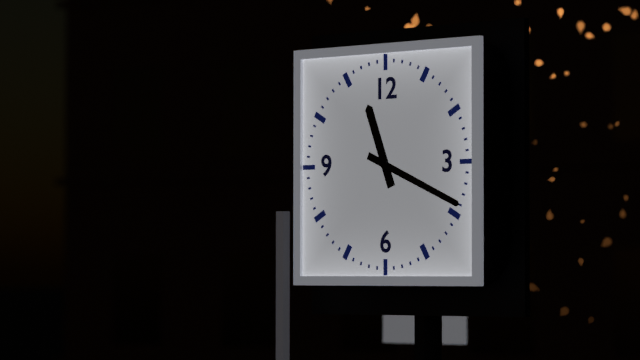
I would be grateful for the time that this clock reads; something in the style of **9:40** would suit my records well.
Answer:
**11:19**
